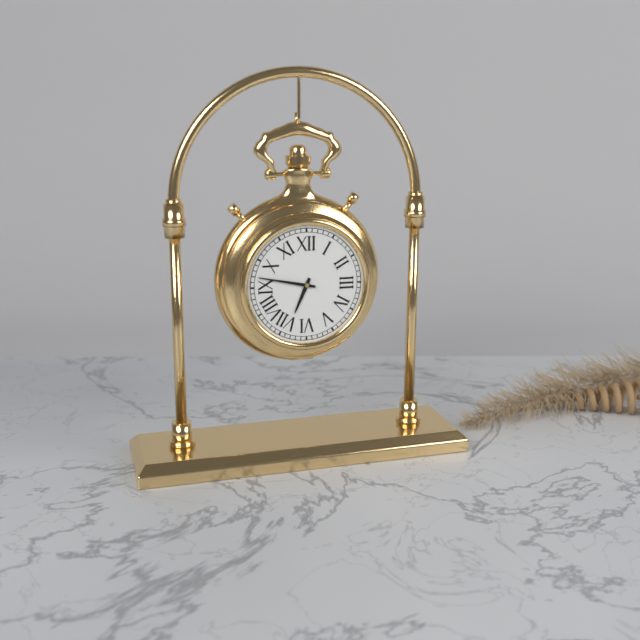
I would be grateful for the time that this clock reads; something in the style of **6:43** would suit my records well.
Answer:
**6:47**
